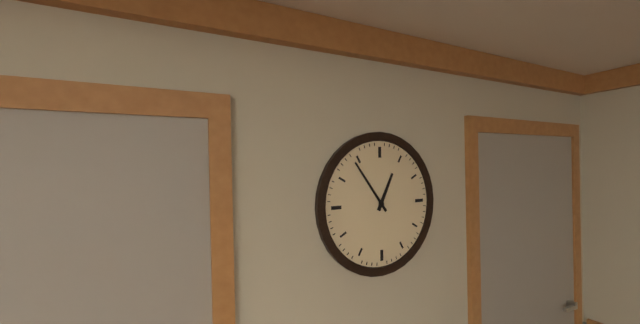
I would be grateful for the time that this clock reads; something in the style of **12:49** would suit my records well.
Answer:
**12:54**
